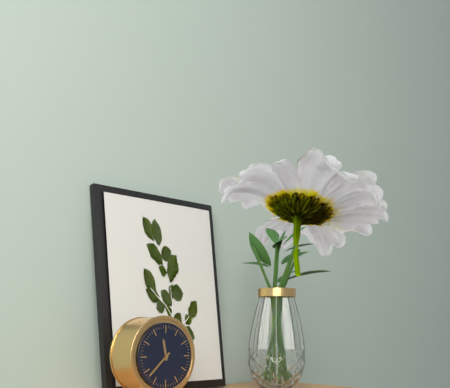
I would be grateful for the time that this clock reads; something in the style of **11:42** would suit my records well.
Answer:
**11:38**
